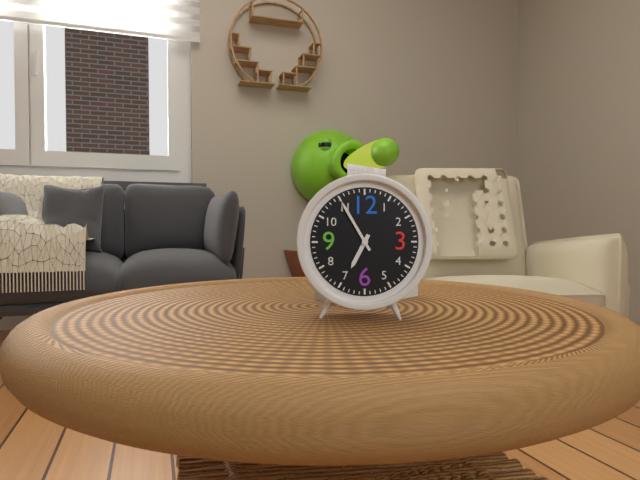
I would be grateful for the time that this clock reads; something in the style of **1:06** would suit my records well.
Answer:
**6:55**
